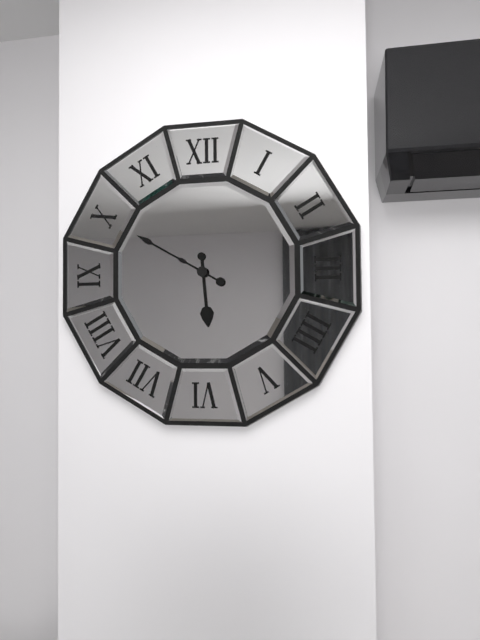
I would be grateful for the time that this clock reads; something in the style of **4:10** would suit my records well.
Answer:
**5:50**
